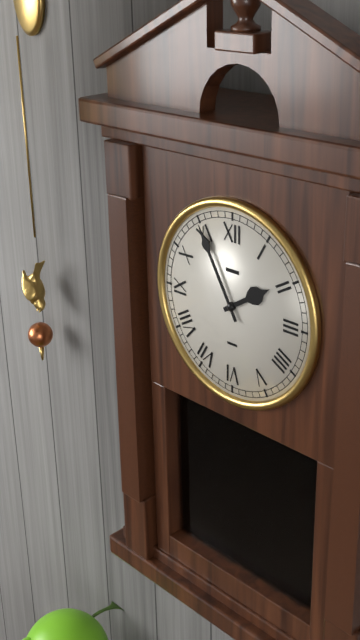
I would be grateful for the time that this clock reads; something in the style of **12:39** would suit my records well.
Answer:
**1:55**
